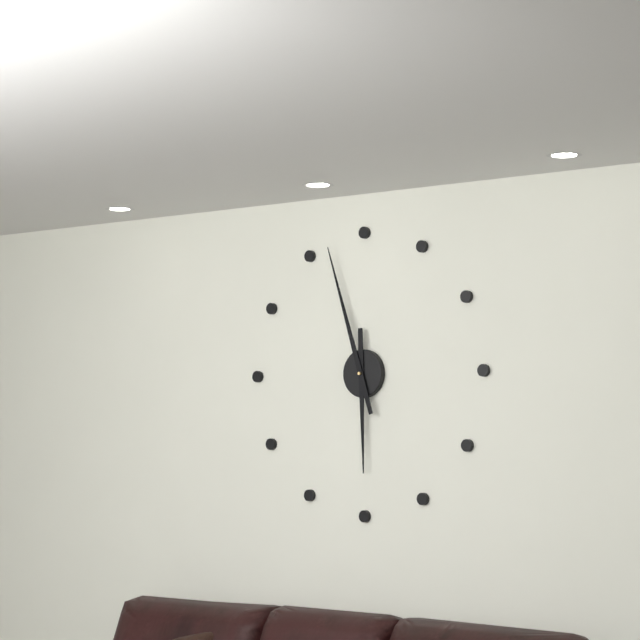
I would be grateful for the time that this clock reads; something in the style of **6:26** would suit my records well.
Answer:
**5:57**
